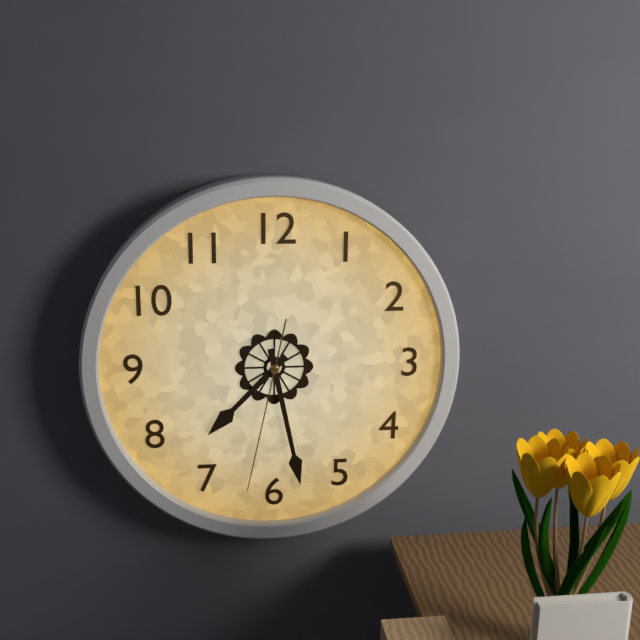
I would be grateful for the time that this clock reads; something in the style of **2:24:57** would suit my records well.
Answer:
**7:28:32**
